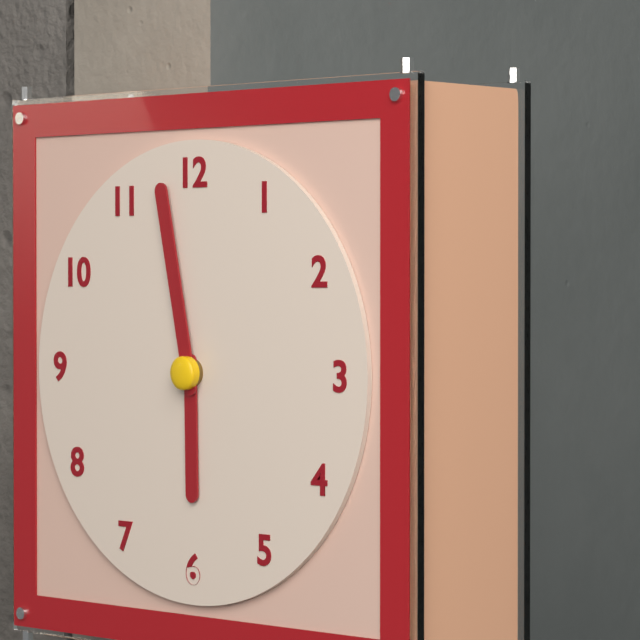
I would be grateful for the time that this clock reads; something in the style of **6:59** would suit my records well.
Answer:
**5:58**
